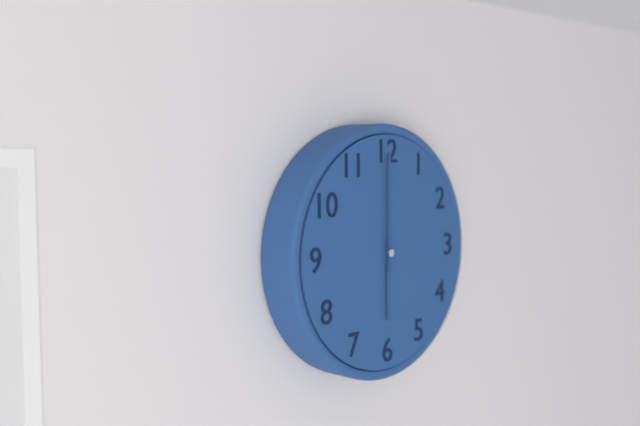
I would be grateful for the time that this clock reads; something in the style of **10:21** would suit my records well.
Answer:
**6:00**
